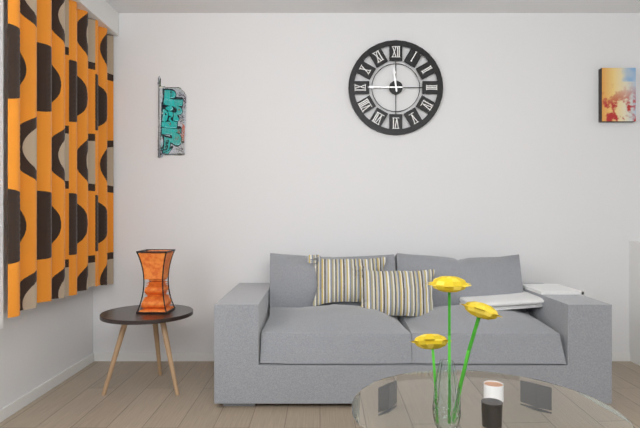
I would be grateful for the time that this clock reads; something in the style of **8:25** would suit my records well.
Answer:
**11:45**
